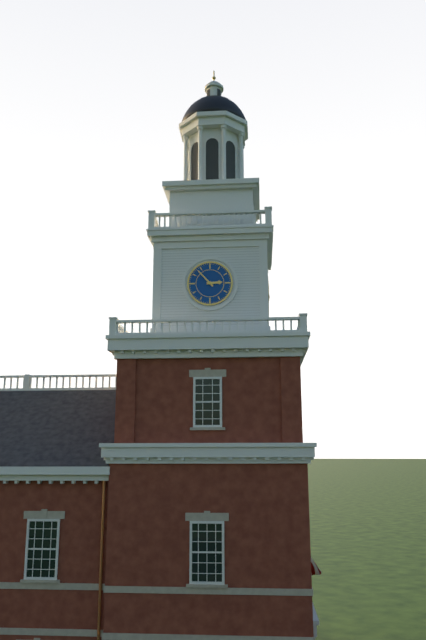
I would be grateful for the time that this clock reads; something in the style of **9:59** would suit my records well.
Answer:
**2:53**
